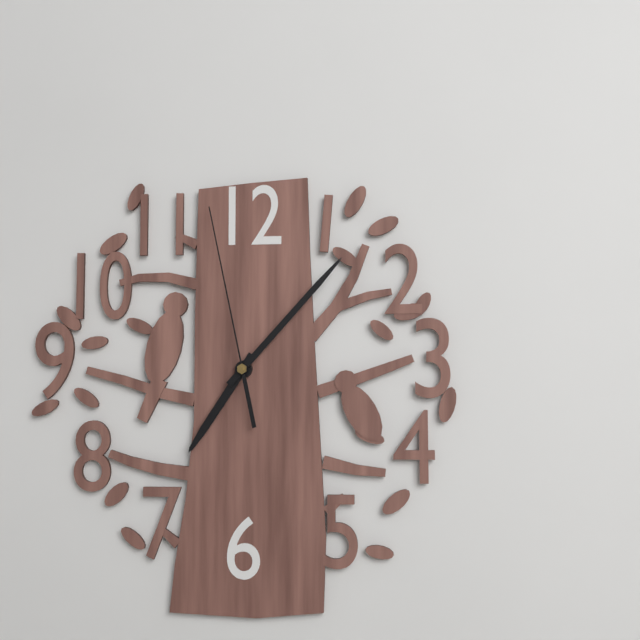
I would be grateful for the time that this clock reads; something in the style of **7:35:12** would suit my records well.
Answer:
**7:07:58**
